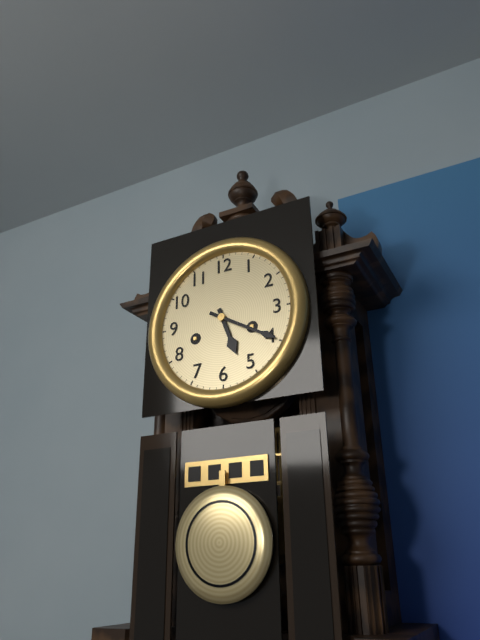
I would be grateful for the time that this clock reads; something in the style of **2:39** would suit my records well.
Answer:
**5:20**
